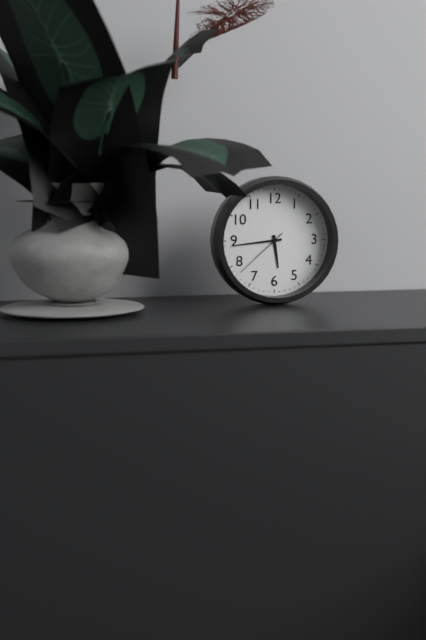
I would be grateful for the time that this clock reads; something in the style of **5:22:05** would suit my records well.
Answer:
**5:44:38**
